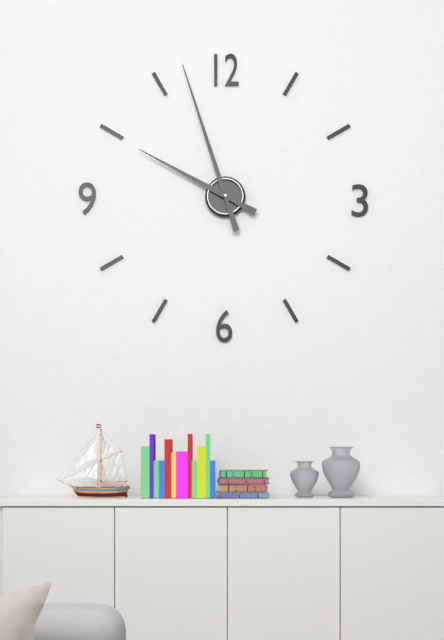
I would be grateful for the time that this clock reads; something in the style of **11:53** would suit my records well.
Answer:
**9:57**
